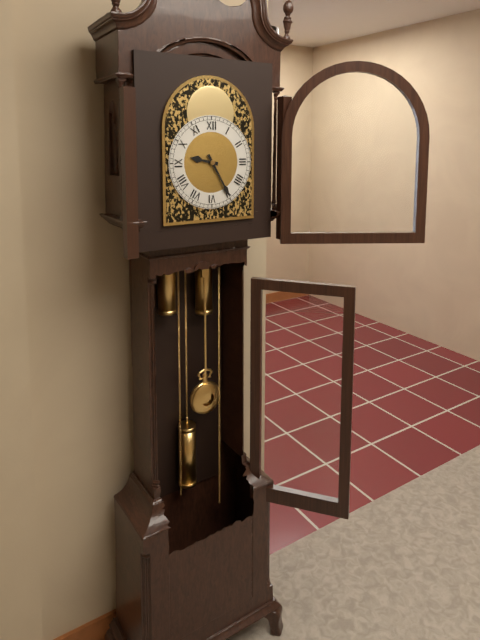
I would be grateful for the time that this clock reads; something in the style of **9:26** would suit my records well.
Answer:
**9:25**
